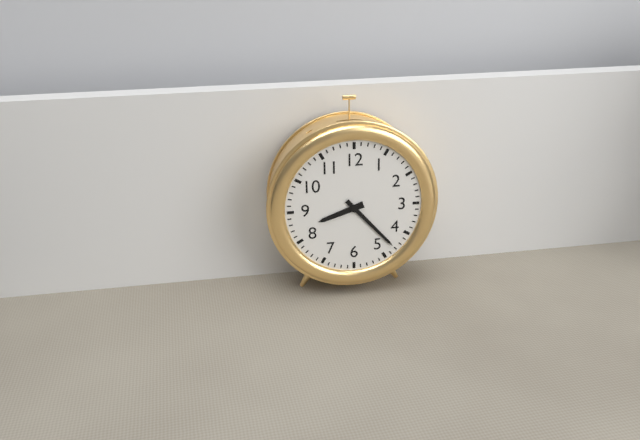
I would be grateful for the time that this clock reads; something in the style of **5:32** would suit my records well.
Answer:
**8:23**
